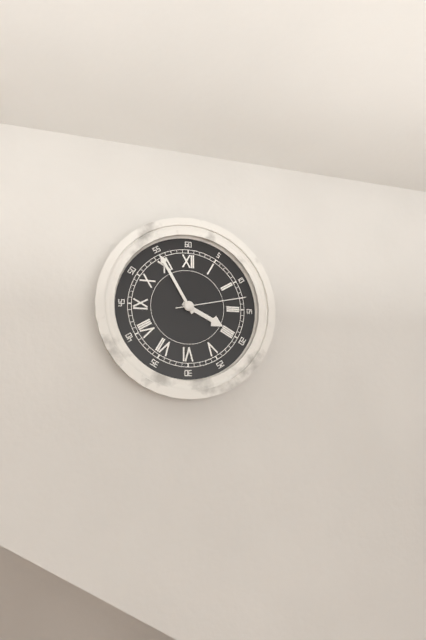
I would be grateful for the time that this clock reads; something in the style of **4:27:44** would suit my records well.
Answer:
**3:55:13**
